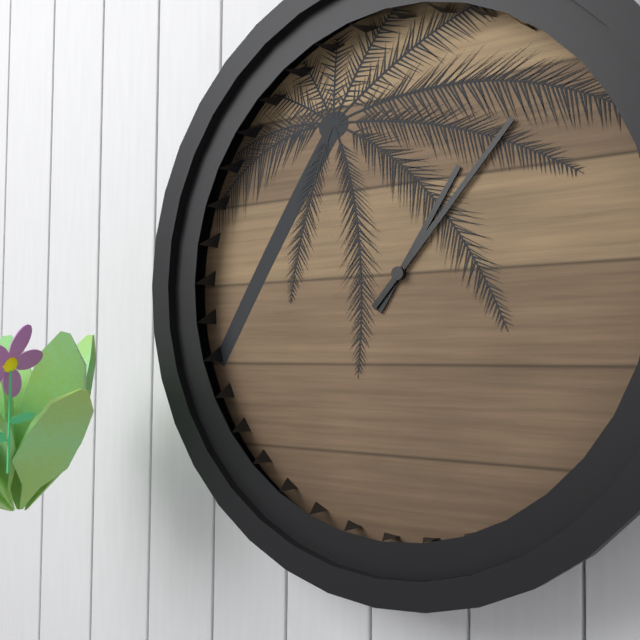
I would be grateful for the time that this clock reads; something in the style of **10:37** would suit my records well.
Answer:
**1:07**
